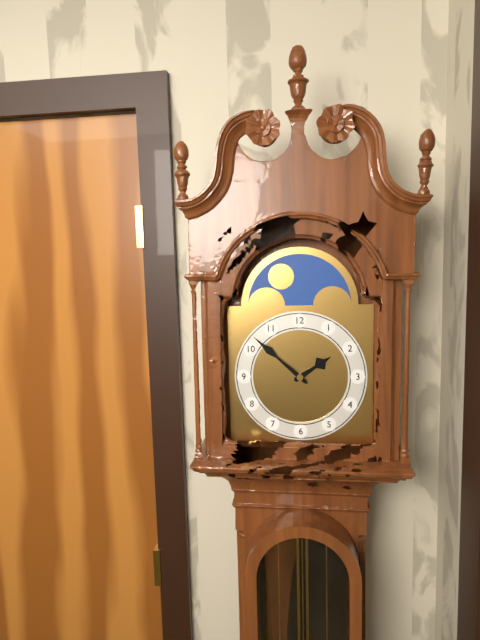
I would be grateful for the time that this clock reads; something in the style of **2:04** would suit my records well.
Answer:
**1:52**
